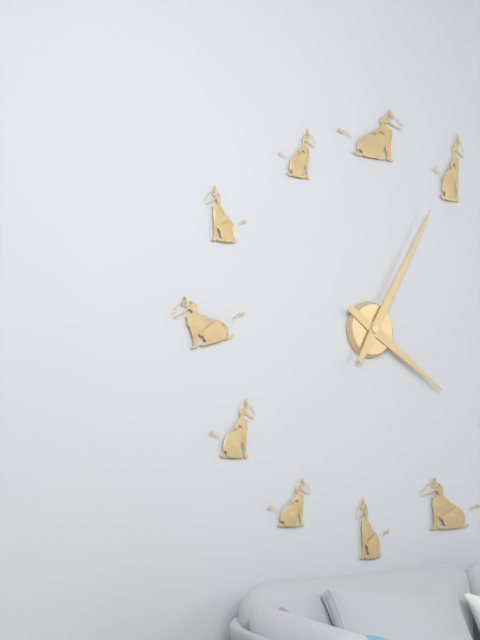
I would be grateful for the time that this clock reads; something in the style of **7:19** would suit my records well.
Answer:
**4:05**
